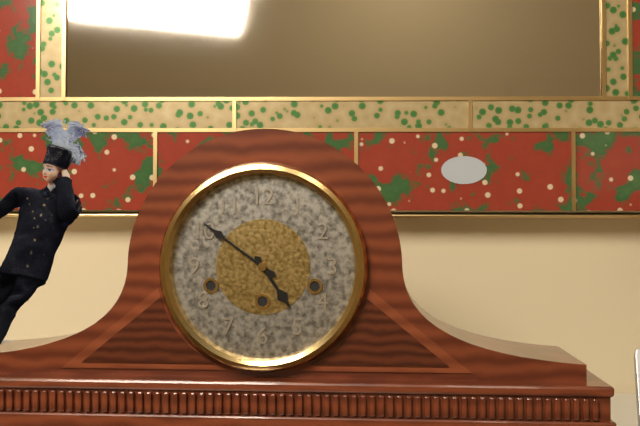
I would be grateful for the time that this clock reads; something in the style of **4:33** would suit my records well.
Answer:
**4:51**
